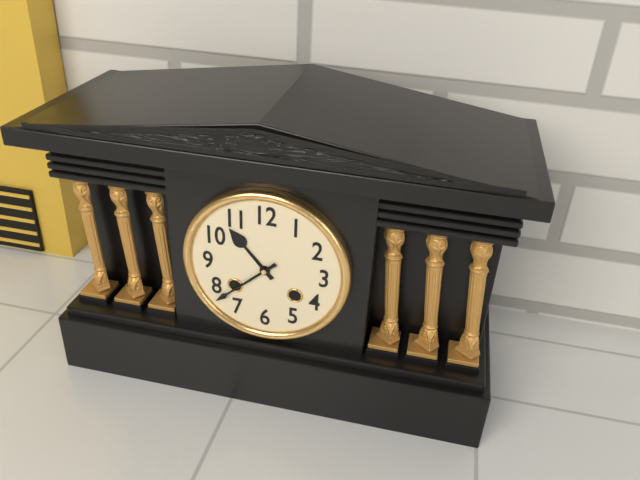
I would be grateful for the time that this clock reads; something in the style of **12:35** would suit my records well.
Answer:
**10:38**
